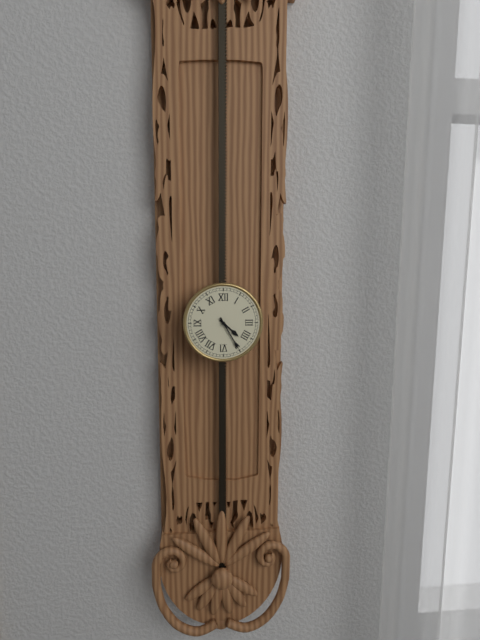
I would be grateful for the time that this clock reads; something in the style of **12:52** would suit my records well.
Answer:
**4:25**
